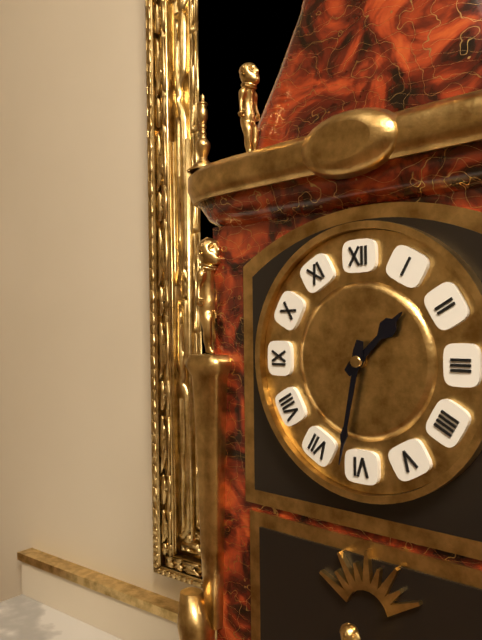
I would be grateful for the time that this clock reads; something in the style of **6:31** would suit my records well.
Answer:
**1:32**
